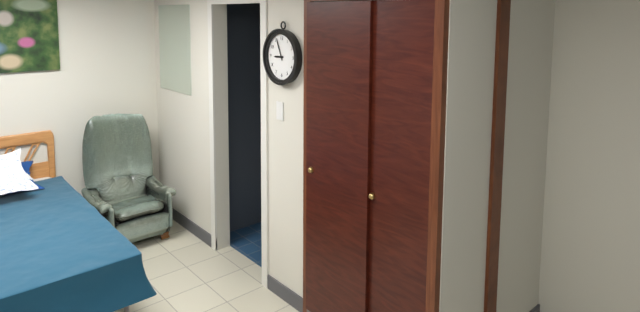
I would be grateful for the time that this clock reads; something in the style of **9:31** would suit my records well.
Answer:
**8:56**
